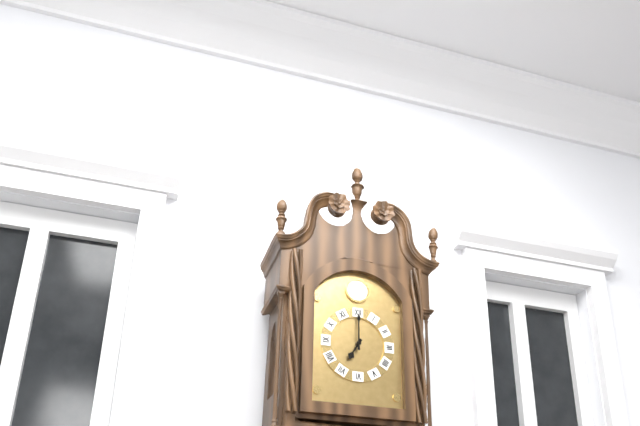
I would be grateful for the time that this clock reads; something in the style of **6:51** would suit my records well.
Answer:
**7:00**
